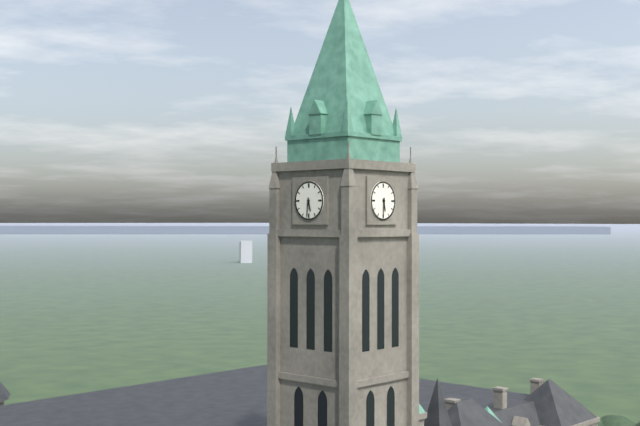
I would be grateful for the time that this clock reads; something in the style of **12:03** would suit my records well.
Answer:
**5:31**
